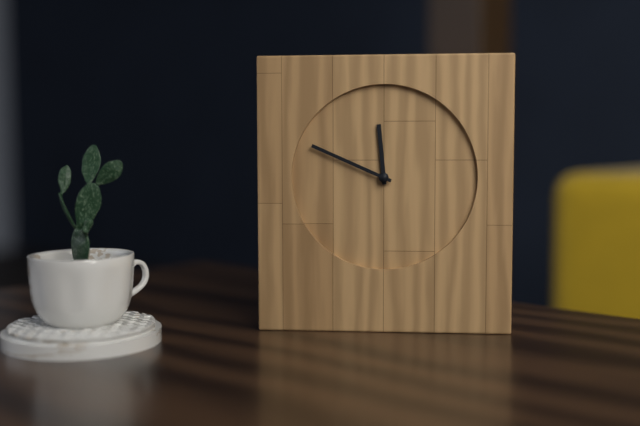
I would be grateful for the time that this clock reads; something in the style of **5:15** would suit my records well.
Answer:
**11:49**
